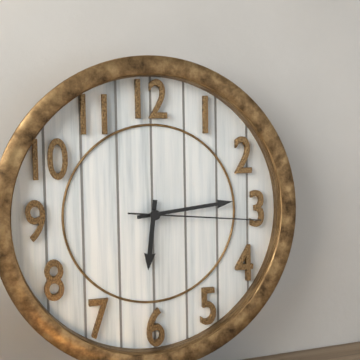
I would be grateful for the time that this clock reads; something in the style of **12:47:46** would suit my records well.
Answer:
**6:14:16**
